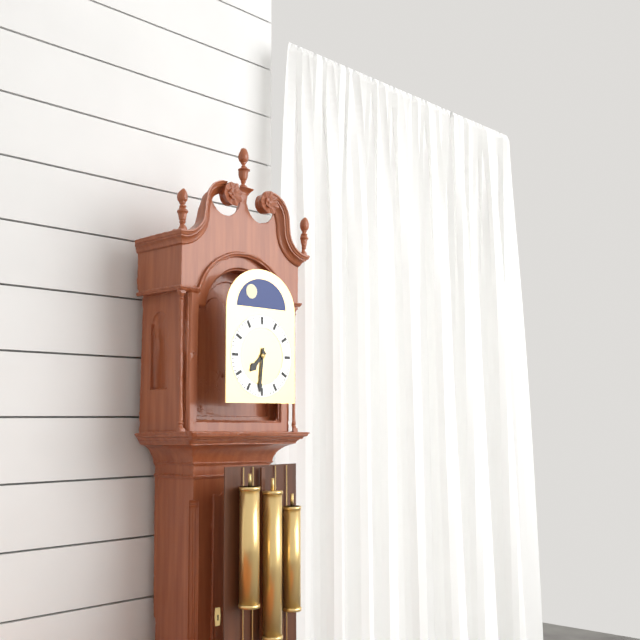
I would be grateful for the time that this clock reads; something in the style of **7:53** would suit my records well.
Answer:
**7:31**
